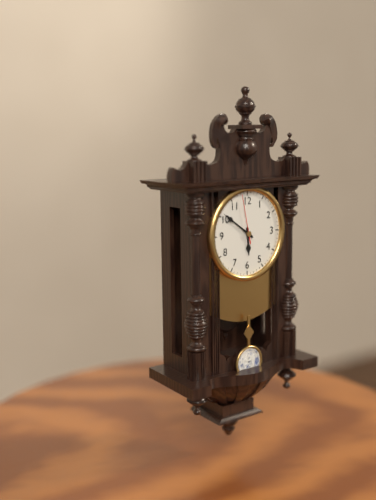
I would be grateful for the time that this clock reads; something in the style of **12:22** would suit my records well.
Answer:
**5:51**
